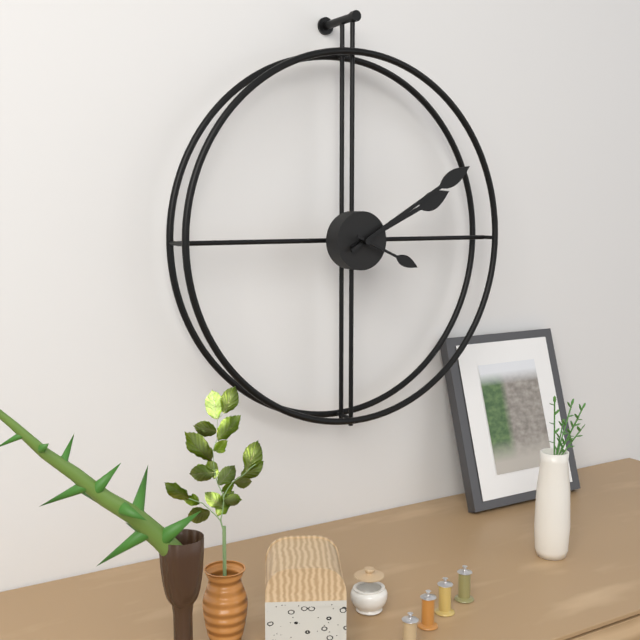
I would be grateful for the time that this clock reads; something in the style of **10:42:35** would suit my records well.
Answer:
**2:10:19**
